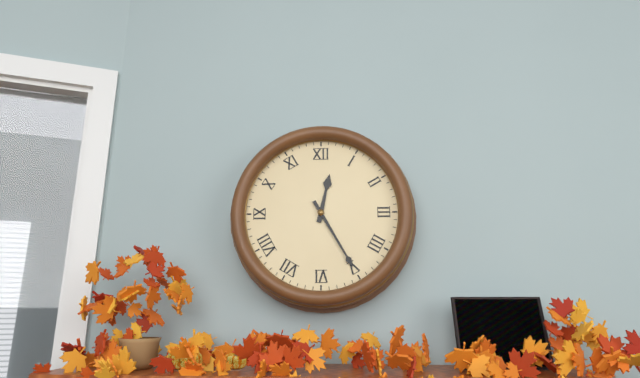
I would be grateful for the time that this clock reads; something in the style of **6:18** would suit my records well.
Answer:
**12:25**
